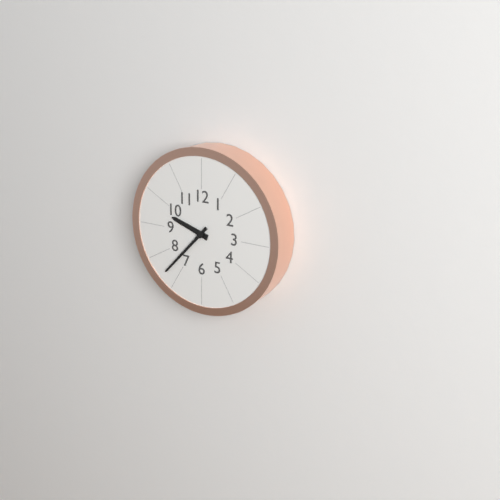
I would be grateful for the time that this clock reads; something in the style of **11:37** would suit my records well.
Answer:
**9:37**
